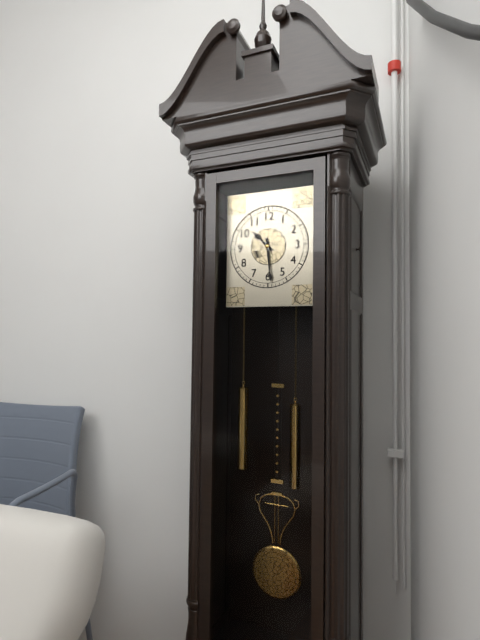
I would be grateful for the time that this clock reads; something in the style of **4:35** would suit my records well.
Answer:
**10:29**
